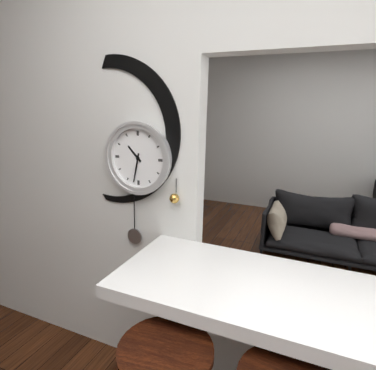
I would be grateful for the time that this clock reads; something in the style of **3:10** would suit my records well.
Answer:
**10:32**
